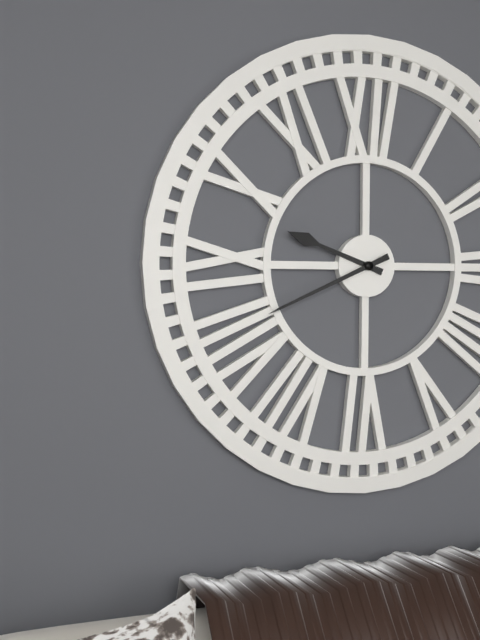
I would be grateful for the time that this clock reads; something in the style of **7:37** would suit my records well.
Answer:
**9:41**
